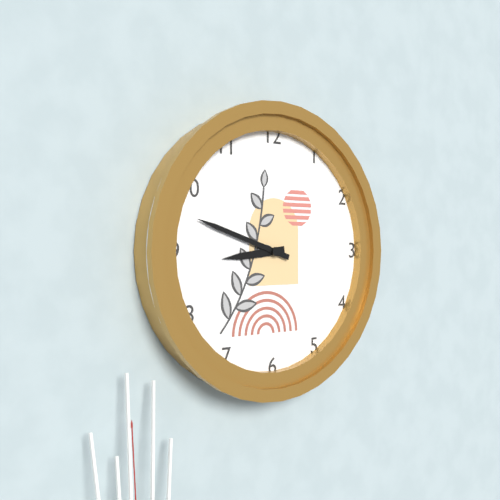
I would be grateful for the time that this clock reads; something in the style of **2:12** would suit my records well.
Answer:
**8:48**
